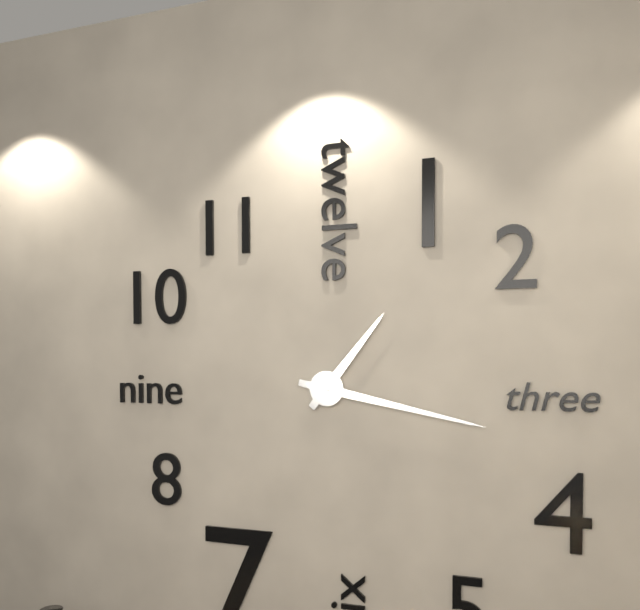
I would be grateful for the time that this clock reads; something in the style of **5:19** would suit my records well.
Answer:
**1:17**
